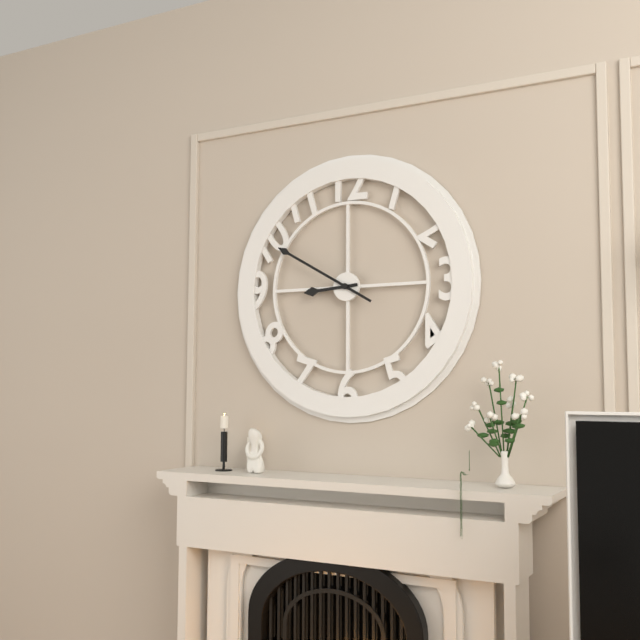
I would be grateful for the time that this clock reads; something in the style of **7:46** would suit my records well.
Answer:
**8:50**
